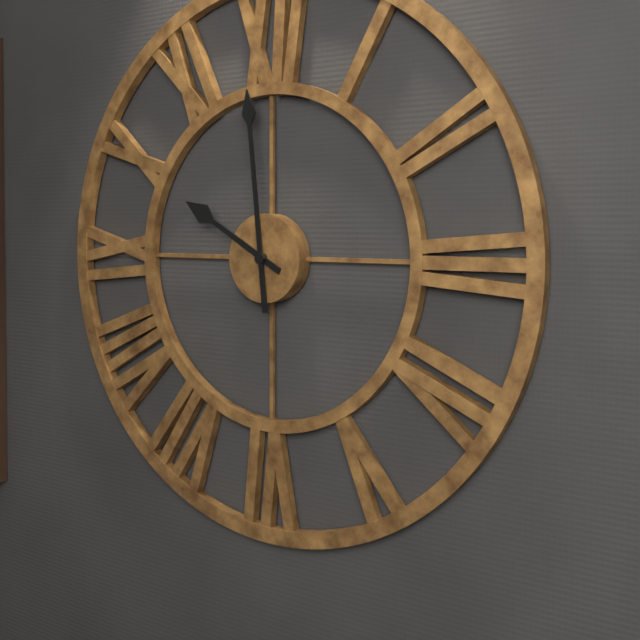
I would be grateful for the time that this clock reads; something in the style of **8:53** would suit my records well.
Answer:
**9:59**
